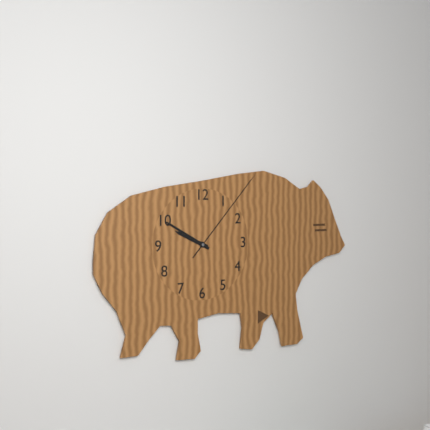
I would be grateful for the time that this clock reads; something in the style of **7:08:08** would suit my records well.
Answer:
**9:50:07**
